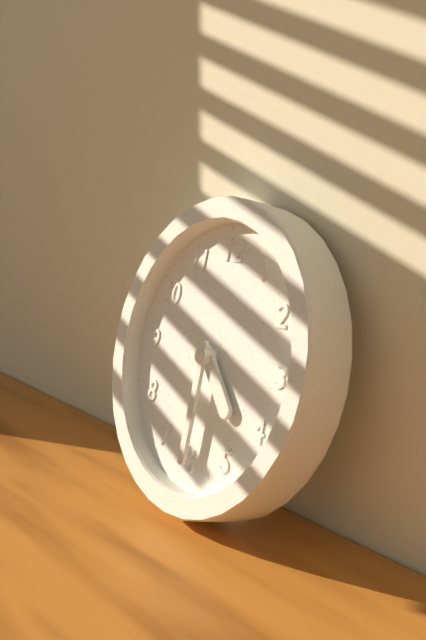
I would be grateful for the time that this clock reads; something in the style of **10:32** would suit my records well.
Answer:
**4:30**
